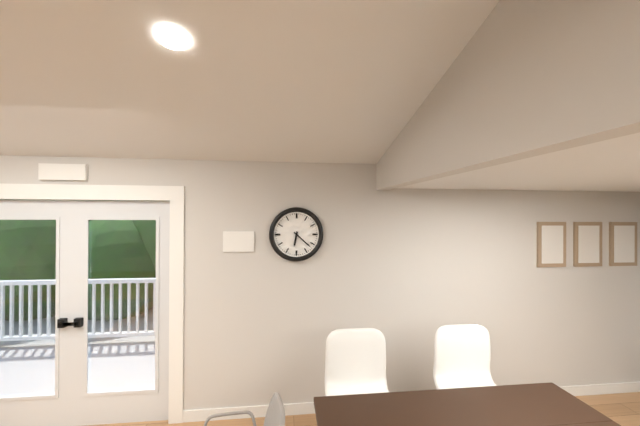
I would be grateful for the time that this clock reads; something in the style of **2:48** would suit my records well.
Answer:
**6:22**
